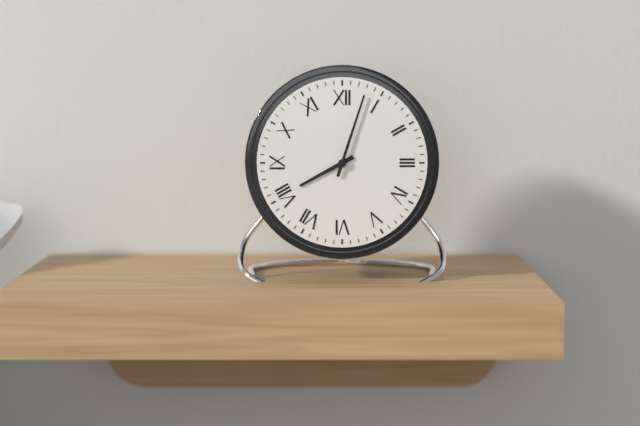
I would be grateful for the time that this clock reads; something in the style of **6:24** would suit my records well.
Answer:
**8:03**
